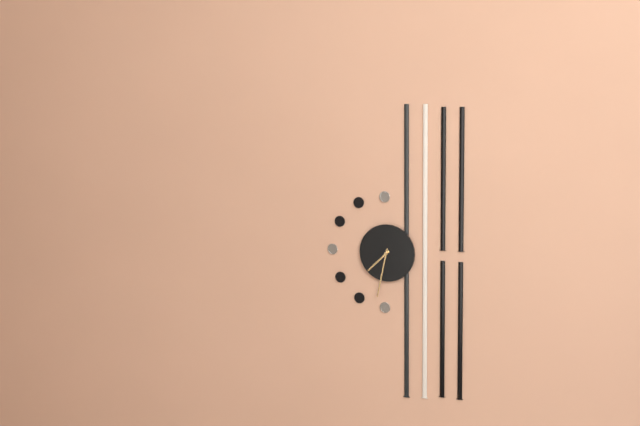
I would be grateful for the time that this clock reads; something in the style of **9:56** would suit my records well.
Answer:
**7:32**
